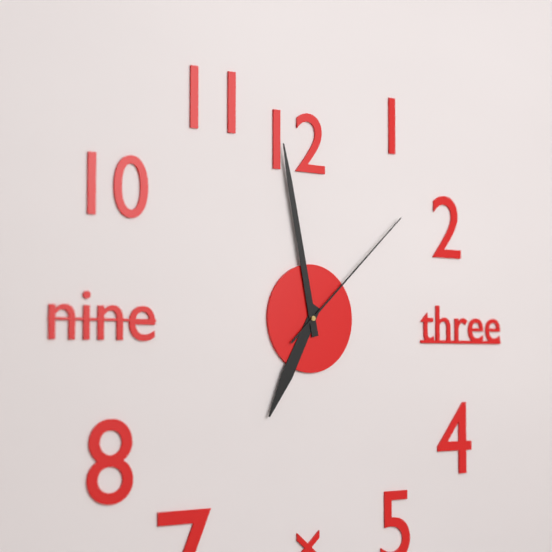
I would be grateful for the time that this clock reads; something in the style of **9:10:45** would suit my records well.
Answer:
**6:58:08**
